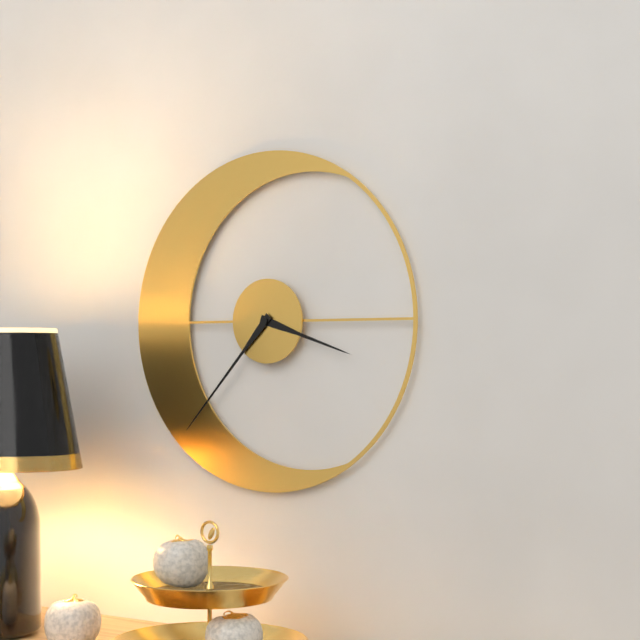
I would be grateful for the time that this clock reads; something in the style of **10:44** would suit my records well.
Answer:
**3:37**
